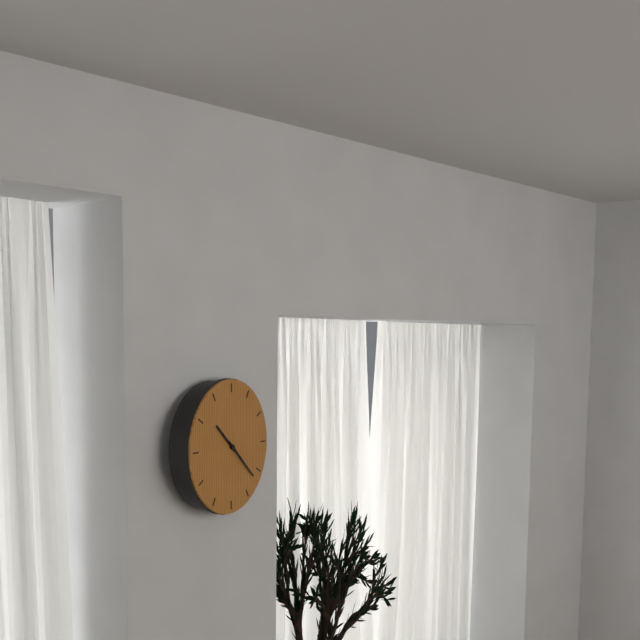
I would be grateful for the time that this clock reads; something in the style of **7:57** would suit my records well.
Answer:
**10:22**
